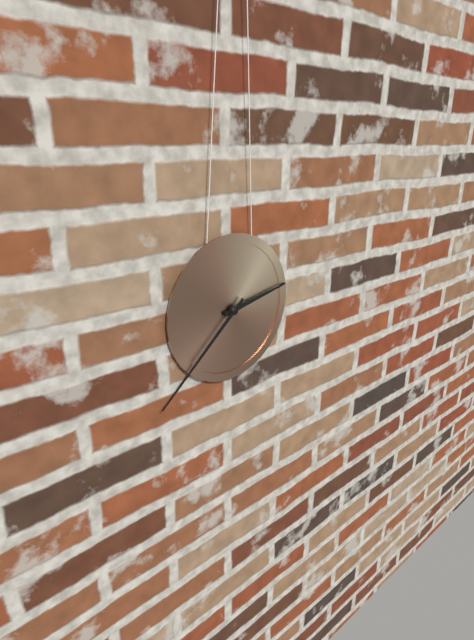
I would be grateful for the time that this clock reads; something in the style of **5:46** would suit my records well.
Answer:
**2:38**
